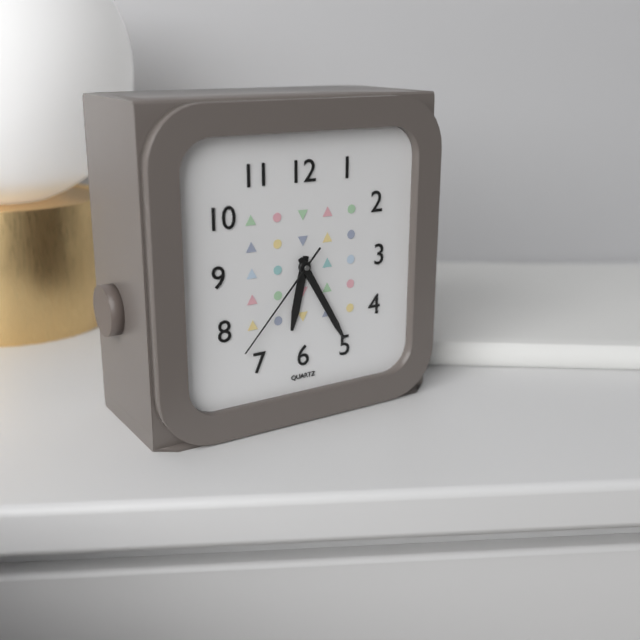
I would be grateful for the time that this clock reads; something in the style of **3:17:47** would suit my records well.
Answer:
**6:25:37**
